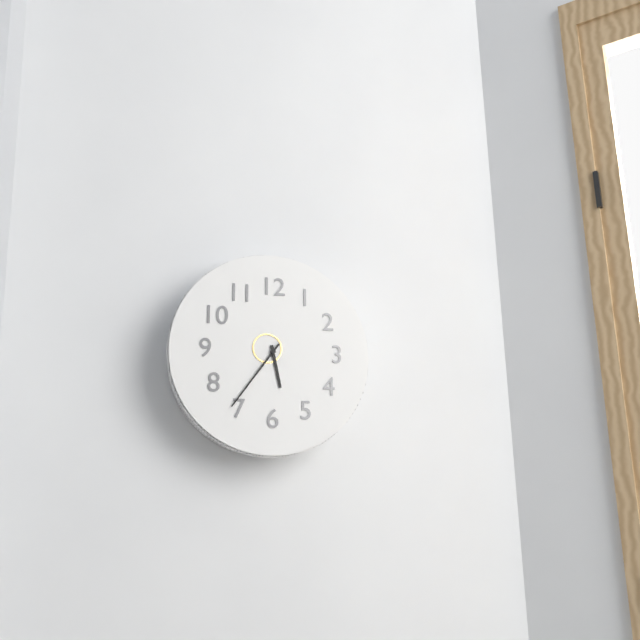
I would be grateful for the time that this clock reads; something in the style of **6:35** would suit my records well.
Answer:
**5:36**
